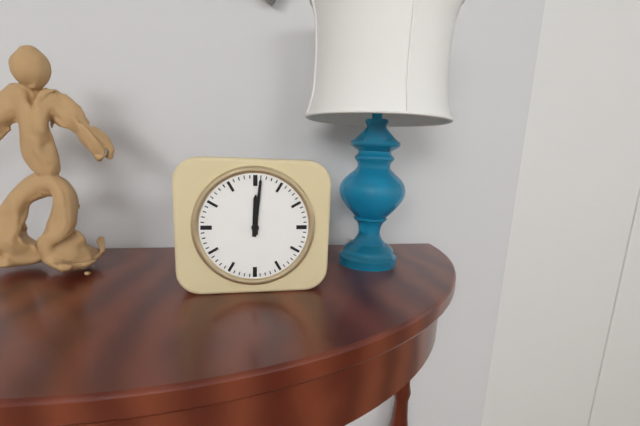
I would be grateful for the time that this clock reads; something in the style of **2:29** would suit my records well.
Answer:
**12:01**
